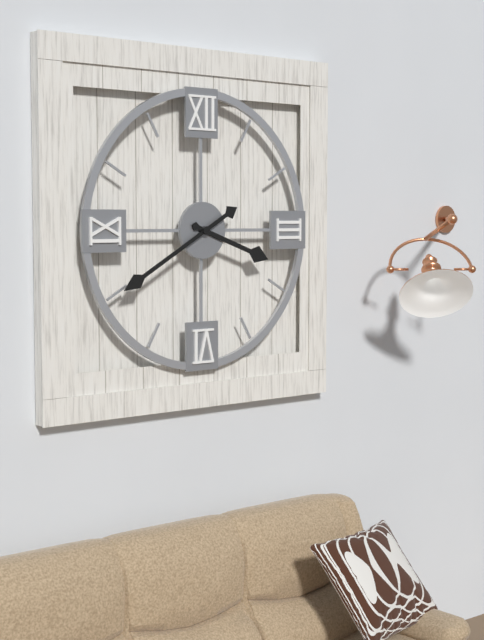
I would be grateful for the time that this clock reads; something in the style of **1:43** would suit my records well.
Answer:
**3:40**
